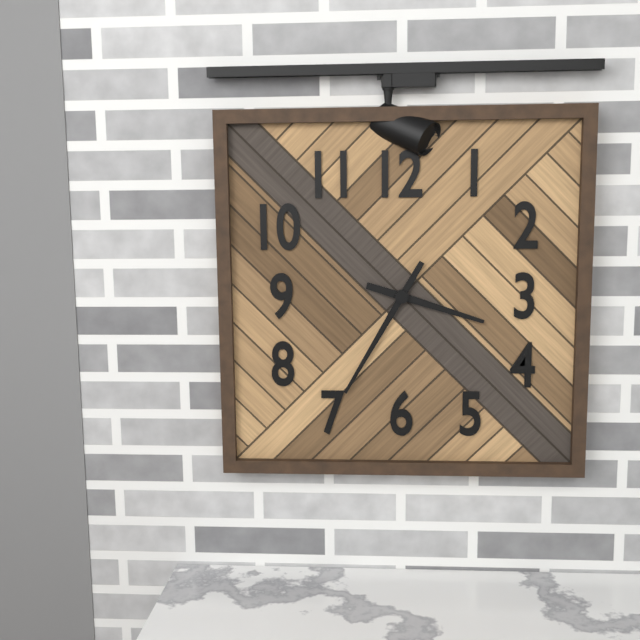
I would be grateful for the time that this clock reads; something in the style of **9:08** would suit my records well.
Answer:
**3:35**
